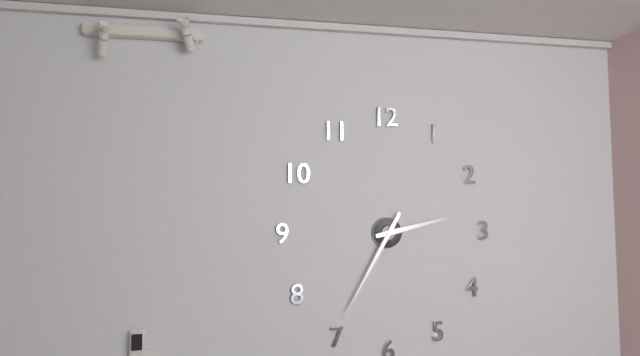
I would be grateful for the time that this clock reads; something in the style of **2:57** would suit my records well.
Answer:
**2:35**
